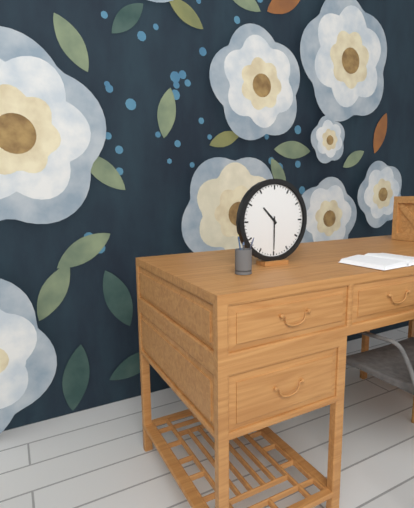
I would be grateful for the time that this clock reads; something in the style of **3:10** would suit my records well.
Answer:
**10:30**
